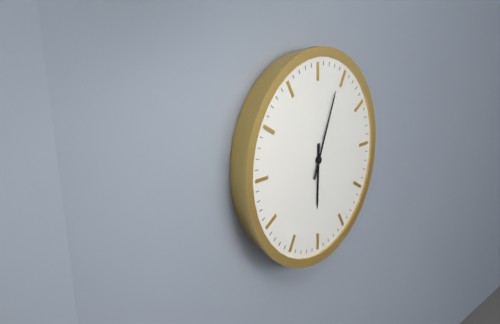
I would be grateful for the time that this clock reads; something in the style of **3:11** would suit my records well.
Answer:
**6:04**
